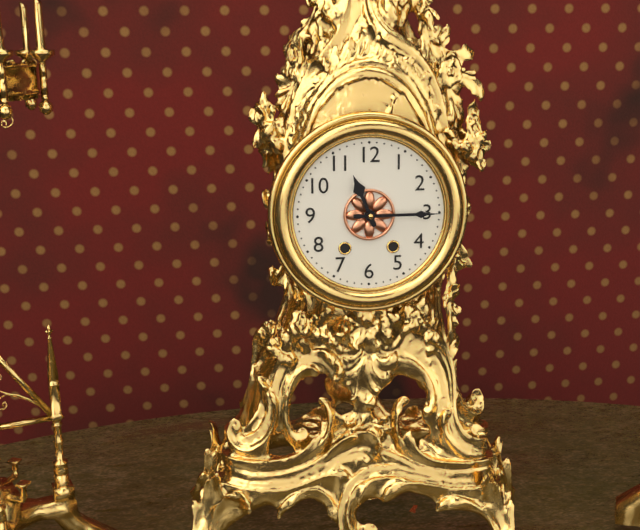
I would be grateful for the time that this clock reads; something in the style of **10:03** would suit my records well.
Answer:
**11:15**
